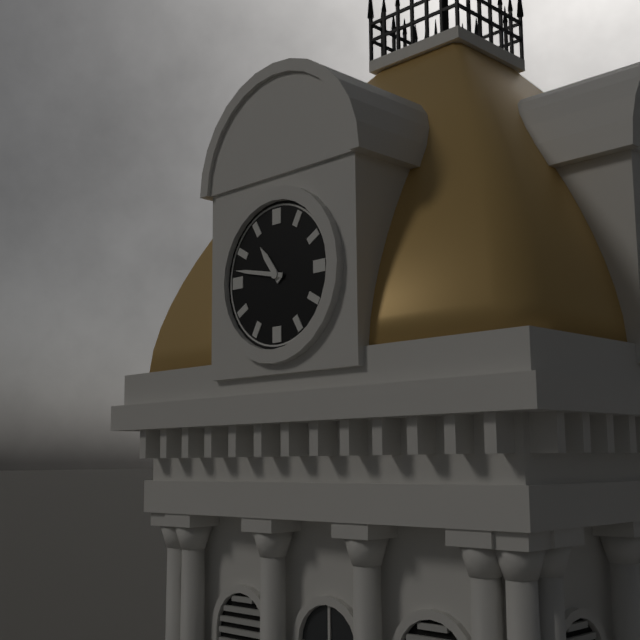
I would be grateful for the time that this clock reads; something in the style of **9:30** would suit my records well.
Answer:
**10:47**
